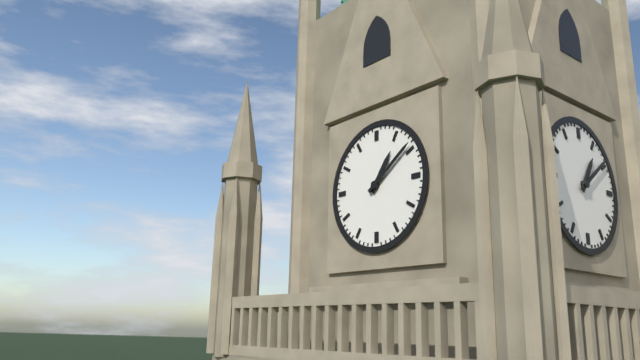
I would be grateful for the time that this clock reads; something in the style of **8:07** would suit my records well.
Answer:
**1:09**
